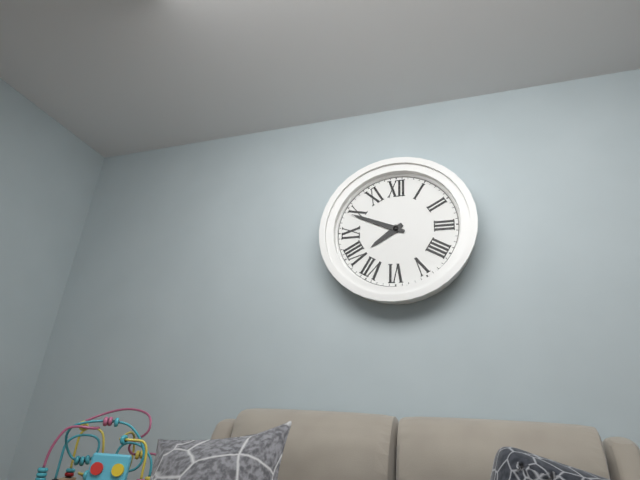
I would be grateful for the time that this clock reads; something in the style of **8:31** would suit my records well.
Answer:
**7:49**
